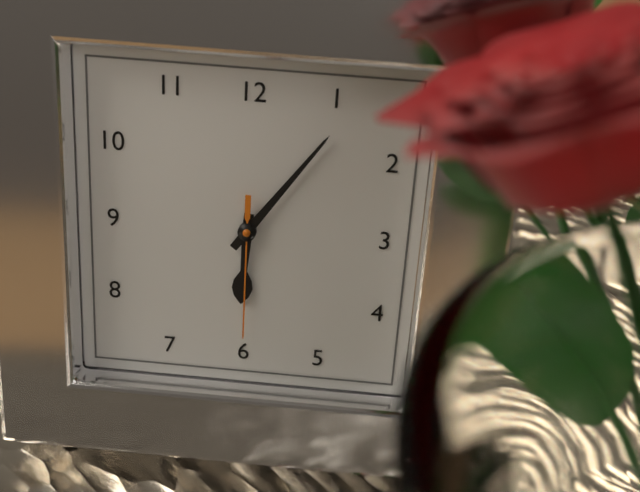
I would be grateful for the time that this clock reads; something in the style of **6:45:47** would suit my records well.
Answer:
**6:06:30**
